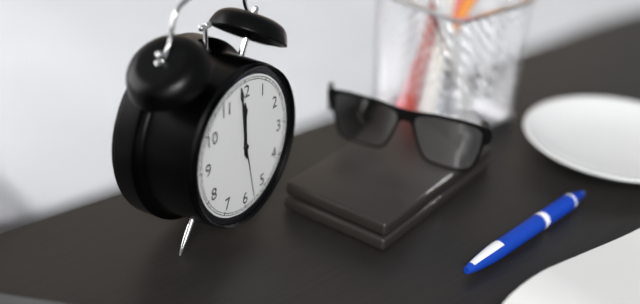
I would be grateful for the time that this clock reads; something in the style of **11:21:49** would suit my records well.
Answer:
**11:59:28**
